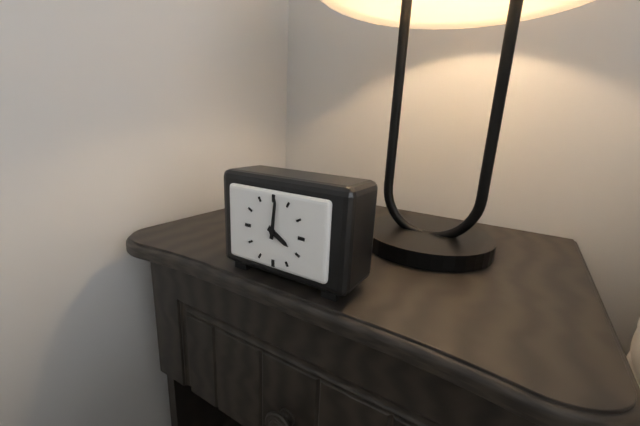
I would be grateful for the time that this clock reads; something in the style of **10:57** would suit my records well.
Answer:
**4:01**
